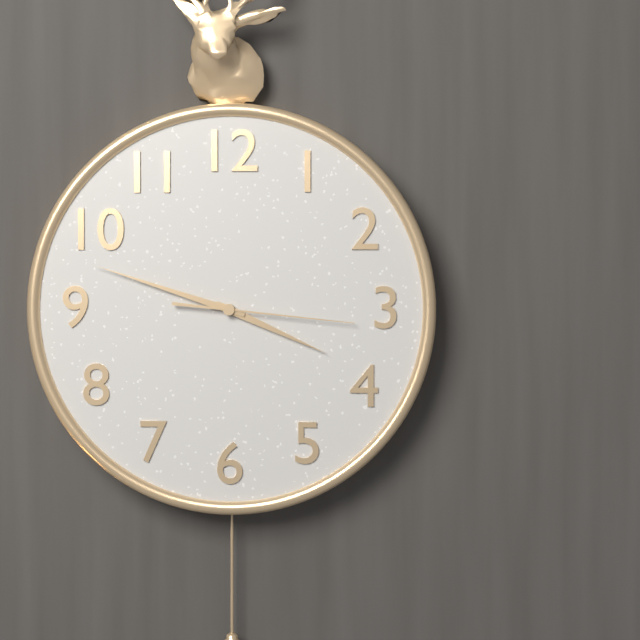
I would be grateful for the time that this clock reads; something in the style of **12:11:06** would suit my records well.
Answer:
**3:48:16**
